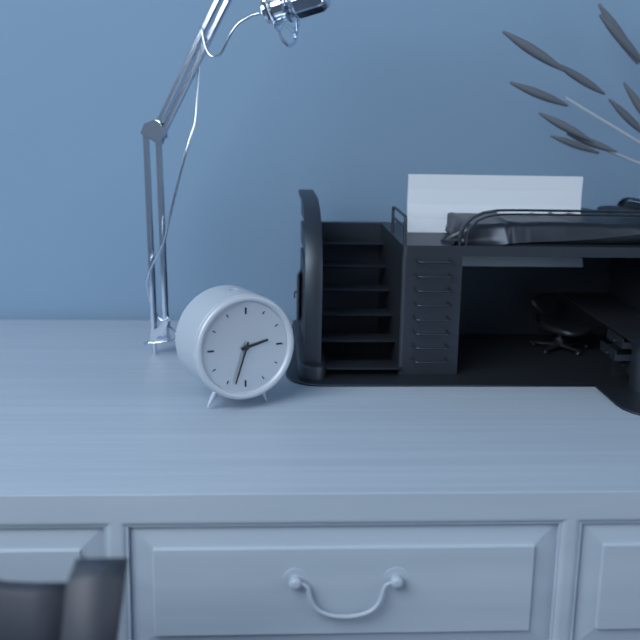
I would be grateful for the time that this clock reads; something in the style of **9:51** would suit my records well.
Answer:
**2:33**
